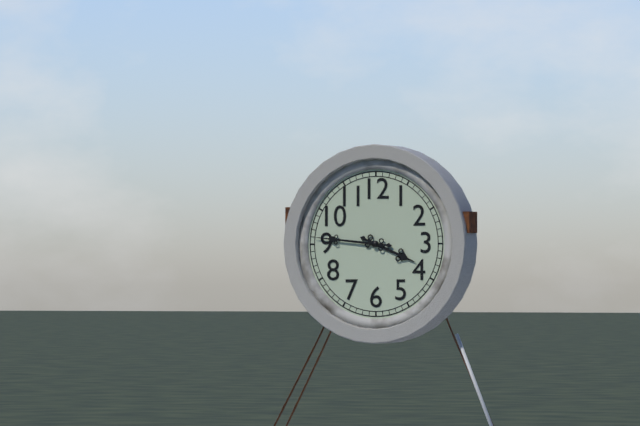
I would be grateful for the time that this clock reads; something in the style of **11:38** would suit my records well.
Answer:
**3:46**
